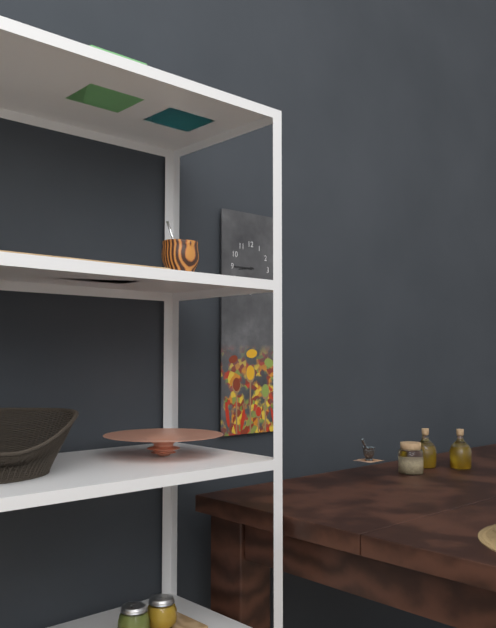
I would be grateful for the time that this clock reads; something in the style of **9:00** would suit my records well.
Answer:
**8:45**
